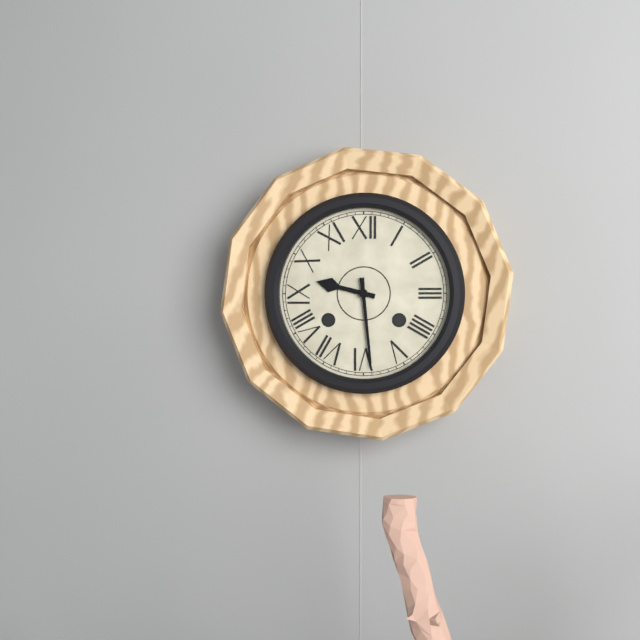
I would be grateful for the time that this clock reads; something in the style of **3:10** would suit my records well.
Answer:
**9:29**
